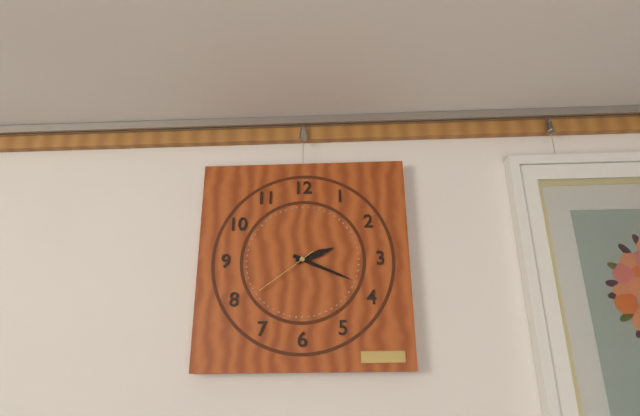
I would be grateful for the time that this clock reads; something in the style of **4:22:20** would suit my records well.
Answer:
**2:19:39**
